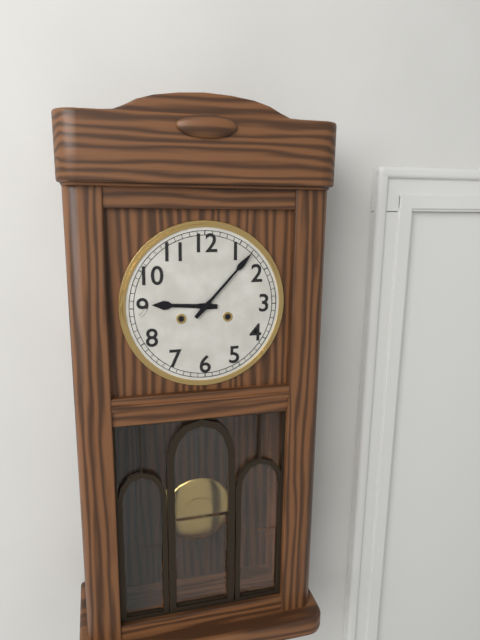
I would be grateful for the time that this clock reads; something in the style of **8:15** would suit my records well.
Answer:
**9:07**
